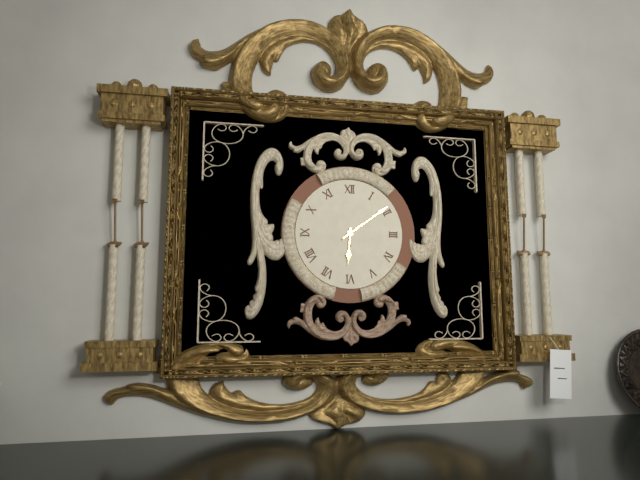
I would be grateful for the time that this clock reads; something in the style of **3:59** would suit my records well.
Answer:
**6:09**
